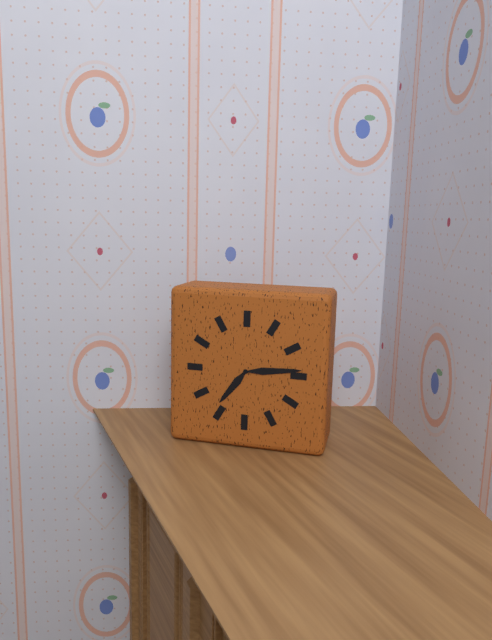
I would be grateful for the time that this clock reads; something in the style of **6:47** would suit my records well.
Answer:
**7:14**
